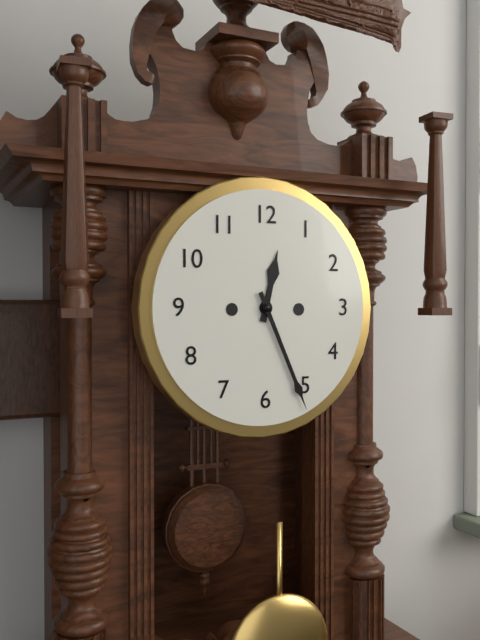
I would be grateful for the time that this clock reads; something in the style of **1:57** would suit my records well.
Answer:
**12:26**
